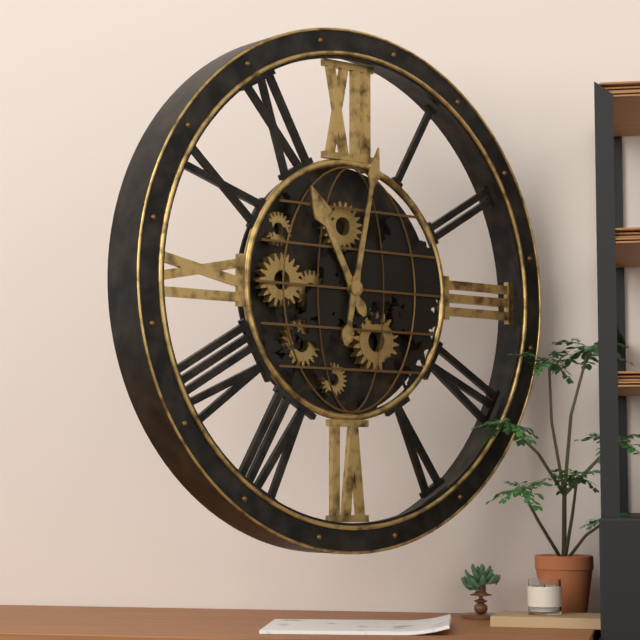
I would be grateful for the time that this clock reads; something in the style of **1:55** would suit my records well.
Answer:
**11:02**
